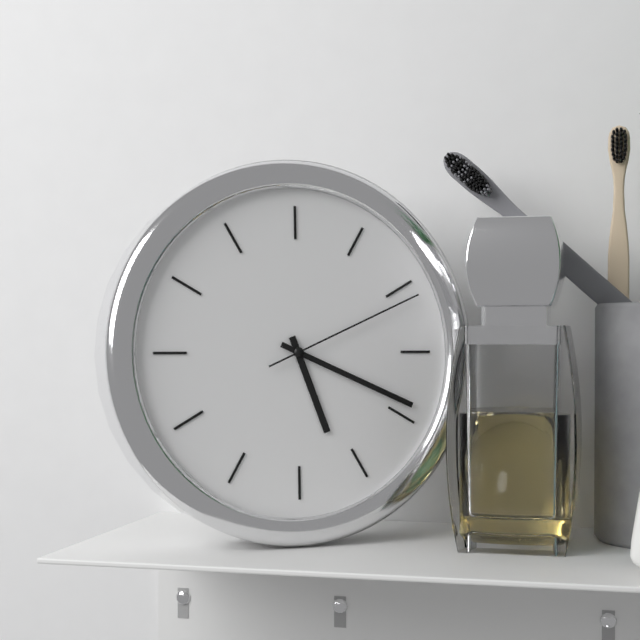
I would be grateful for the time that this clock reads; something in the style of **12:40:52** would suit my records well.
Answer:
**5:19:11**
